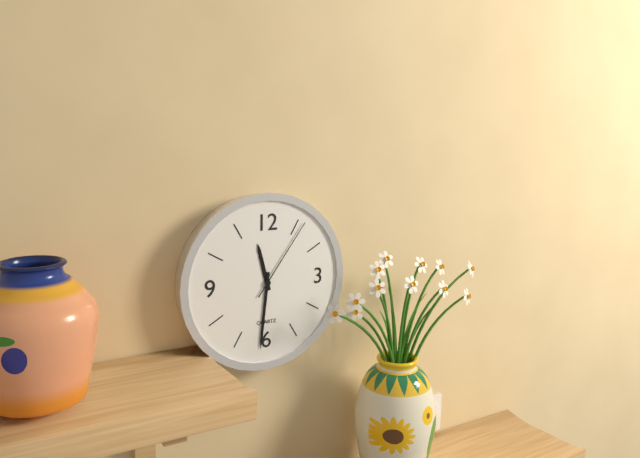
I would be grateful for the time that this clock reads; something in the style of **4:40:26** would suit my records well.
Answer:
**11:31:06**
